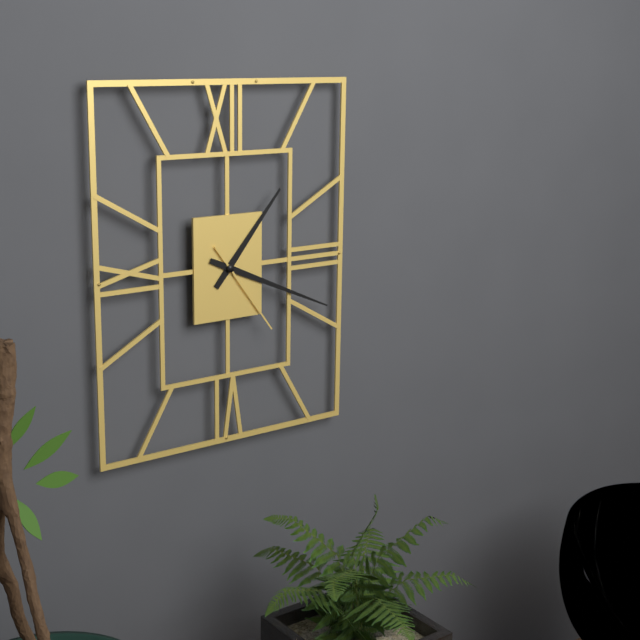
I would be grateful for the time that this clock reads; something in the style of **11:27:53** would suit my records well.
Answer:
**1:19:24**
